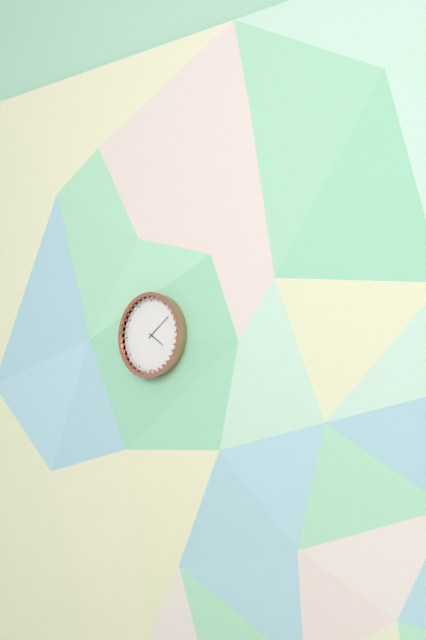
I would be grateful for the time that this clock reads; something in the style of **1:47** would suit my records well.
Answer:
**4:09**
